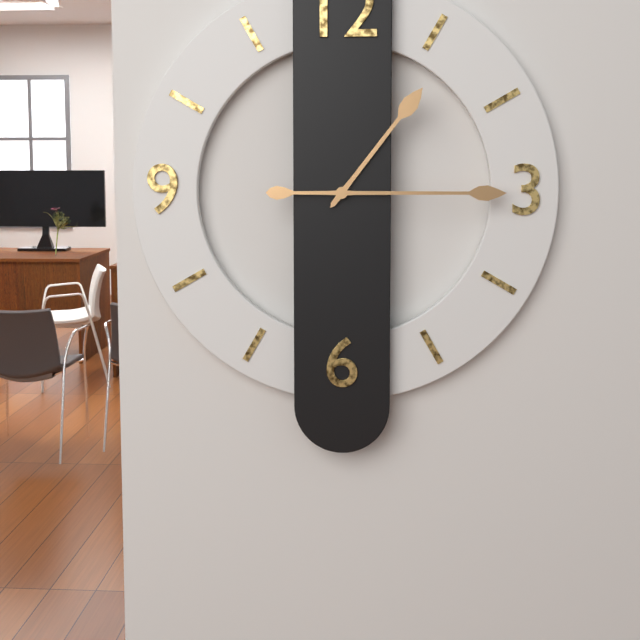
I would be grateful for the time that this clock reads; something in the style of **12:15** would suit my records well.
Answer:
**1:15**
